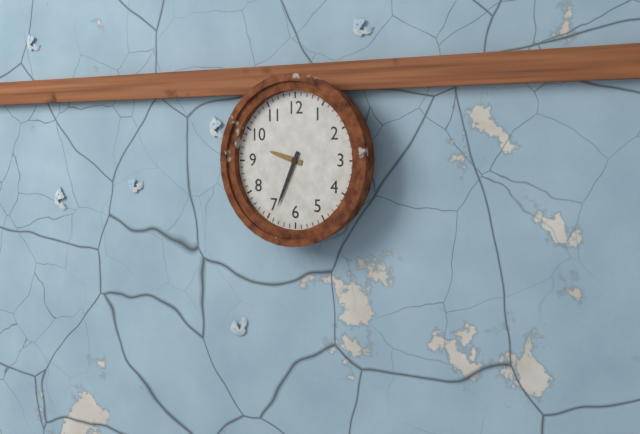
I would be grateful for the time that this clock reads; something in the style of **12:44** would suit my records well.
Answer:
**9:34**
